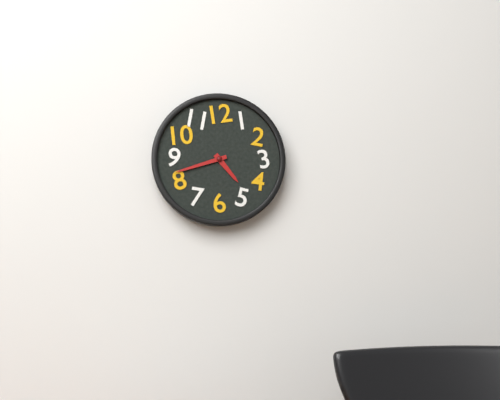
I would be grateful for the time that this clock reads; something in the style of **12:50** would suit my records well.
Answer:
**4:42**
